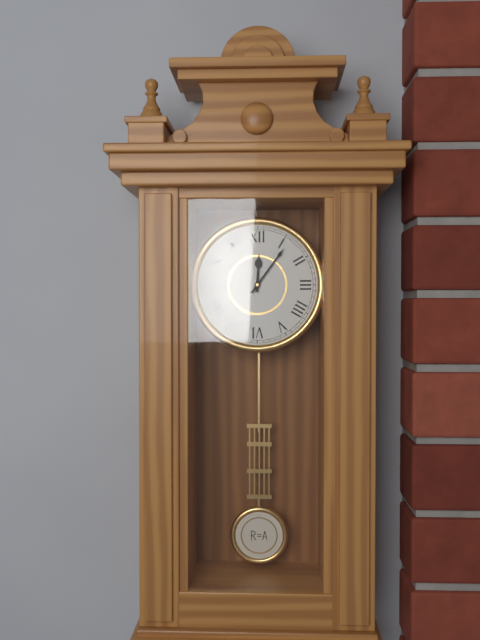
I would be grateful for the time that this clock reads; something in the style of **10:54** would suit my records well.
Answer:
**12:06**
